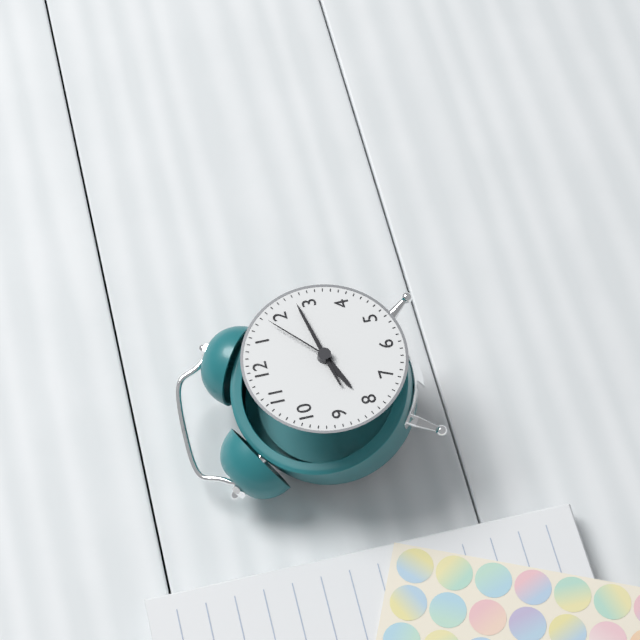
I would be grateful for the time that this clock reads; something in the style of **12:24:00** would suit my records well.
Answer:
**8:13:08**
